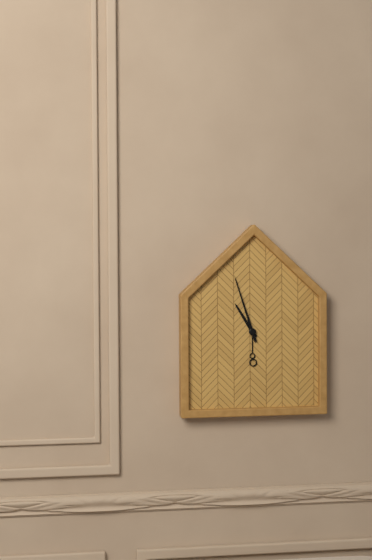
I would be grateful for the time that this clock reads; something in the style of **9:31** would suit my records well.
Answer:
**10:57**
